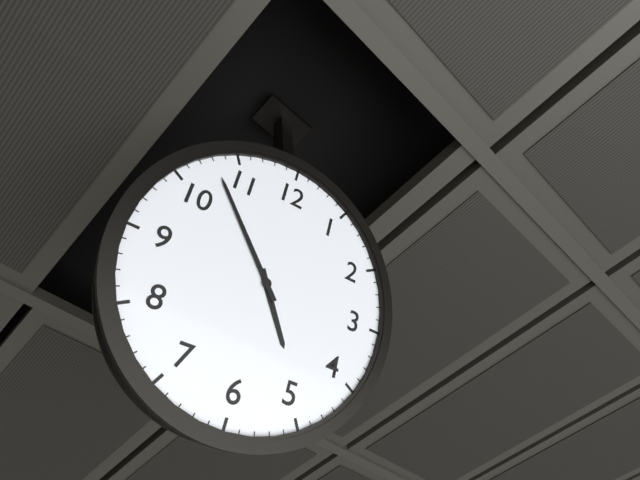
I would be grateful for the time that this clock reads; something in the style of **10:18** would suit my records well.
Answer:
**4:53**
